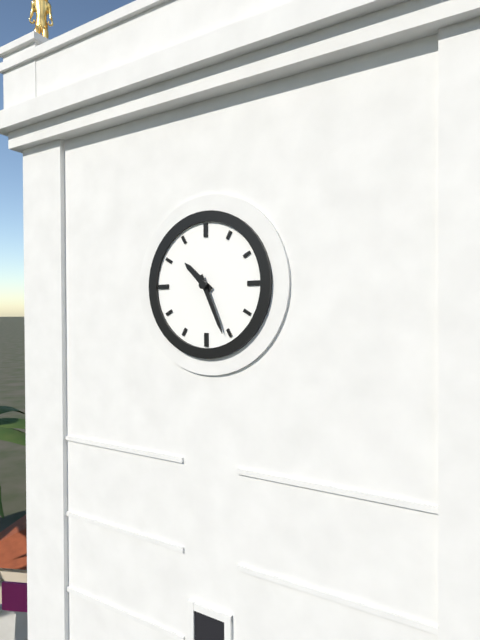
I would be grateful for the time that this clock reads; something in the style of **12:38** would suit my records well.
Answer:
**10:26**
